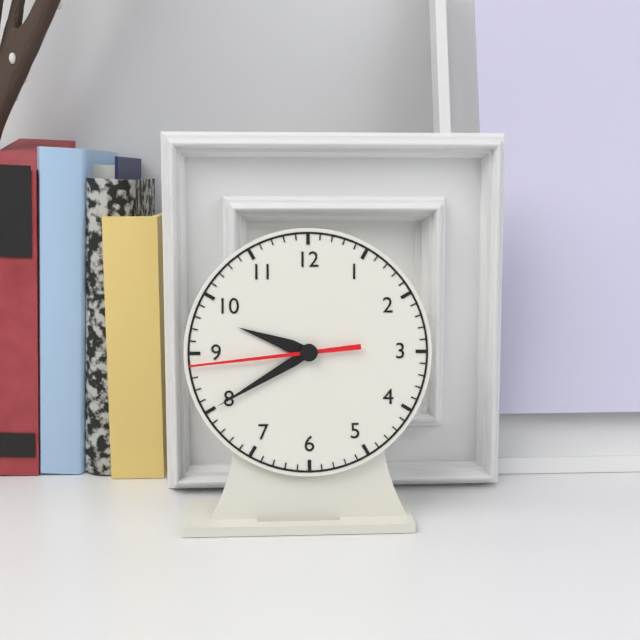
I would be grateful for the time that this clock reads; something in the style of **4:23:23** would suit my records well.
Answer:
**9:40:44**
